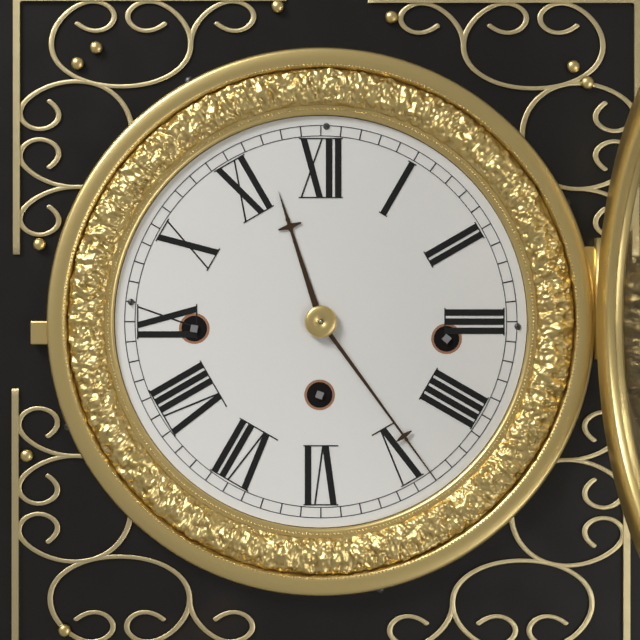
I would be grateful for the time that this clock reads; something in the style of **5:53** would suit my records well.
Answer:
**11:24**
